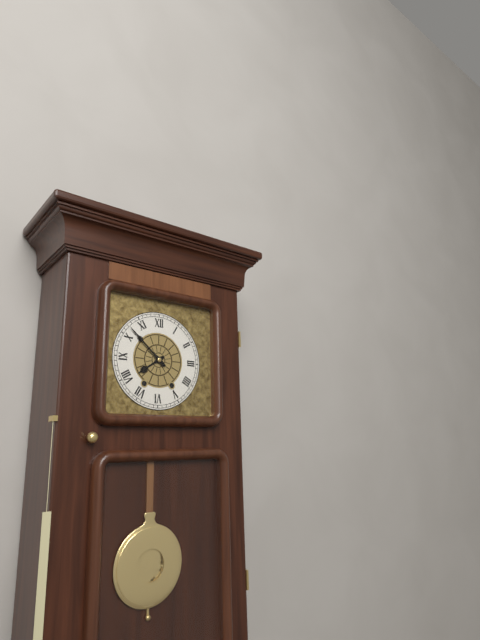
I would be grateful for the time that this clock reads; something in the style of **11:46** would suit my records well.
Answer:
**7:52**
